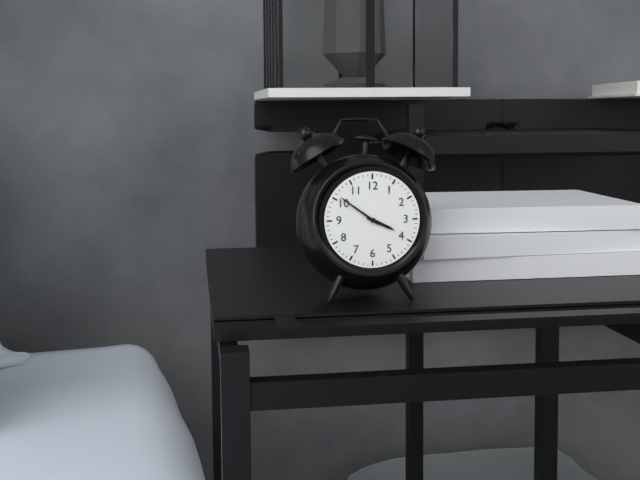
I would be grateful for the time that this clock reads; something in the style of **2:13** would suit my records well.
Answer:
**3:51**
